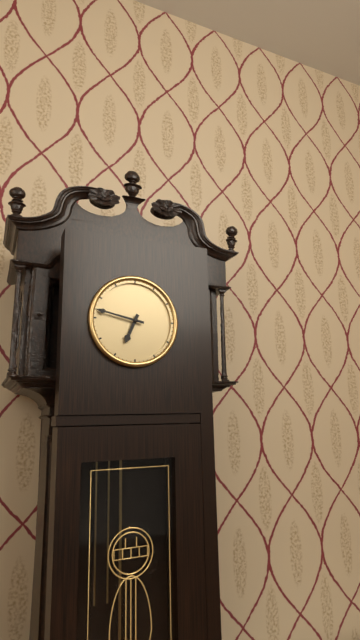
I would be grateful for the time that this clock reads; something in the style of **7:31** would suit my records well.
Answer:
**6:47**
